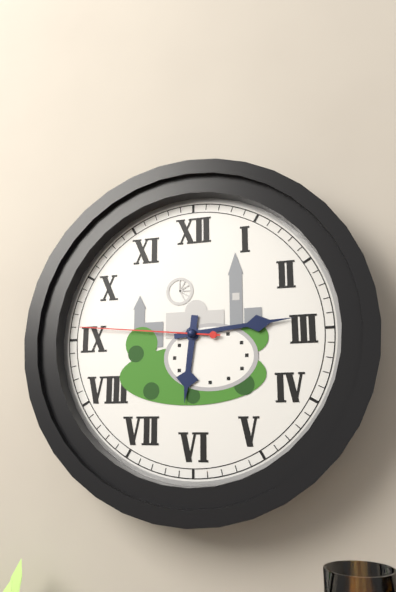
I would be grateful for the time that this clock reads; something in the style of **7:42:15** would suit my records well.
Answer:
**6:14:46**
